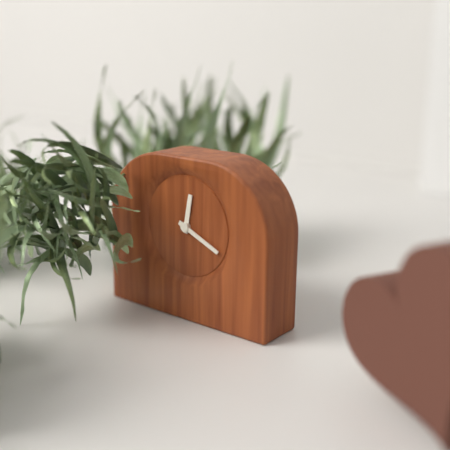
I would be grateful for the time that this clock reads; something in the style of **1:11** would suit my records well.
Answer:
**12:19**
